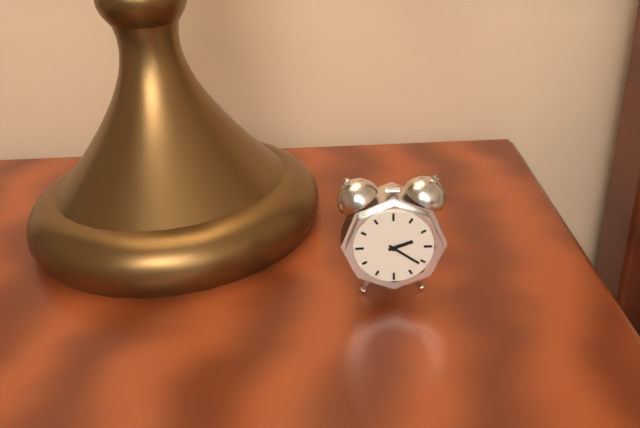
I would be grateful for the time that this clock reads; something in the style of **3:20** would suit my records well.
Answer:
**2:21**
